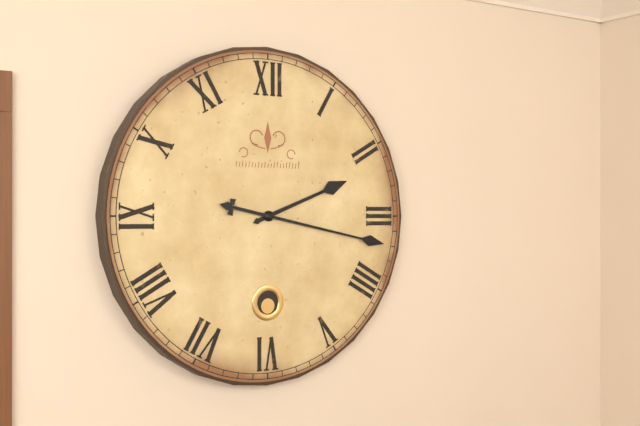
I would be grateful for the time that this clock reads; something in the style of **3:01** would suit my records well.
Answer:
**2:17**
